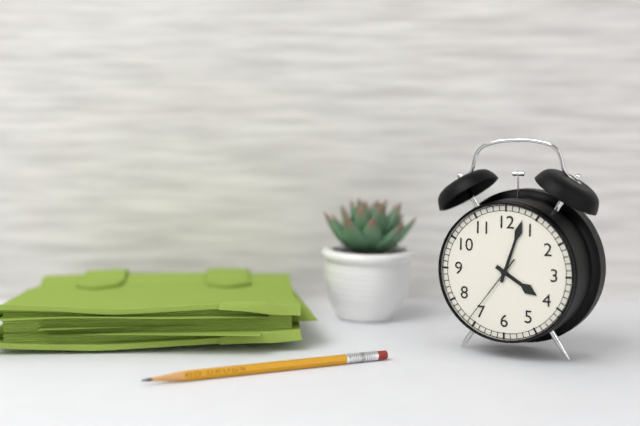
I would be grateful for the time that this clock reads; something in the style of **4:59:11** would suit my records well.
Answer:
**4:03:36**
